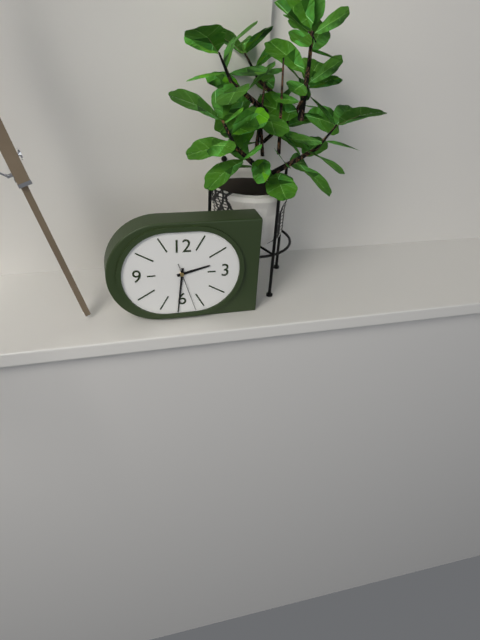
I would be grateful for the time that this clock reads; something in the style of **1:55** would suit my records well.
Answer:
**2:31**
